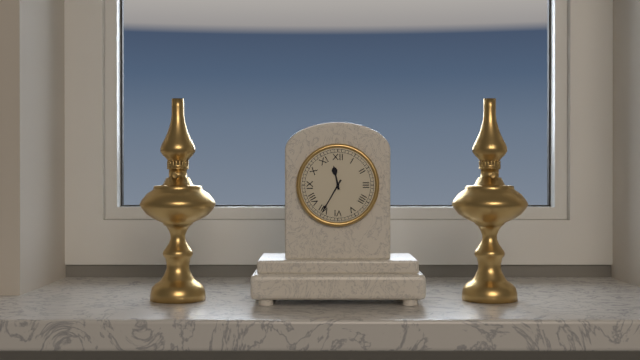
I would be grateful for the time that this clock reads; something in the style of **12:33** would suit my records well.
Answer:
**11:35**
